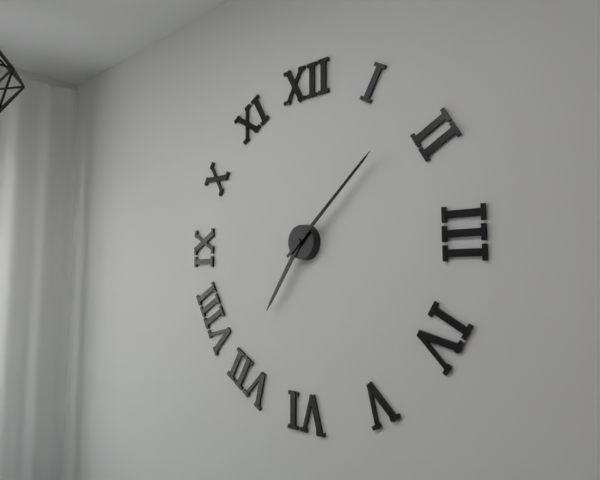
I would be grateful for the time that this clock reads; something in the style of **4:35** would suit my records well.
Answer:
**7:08**
